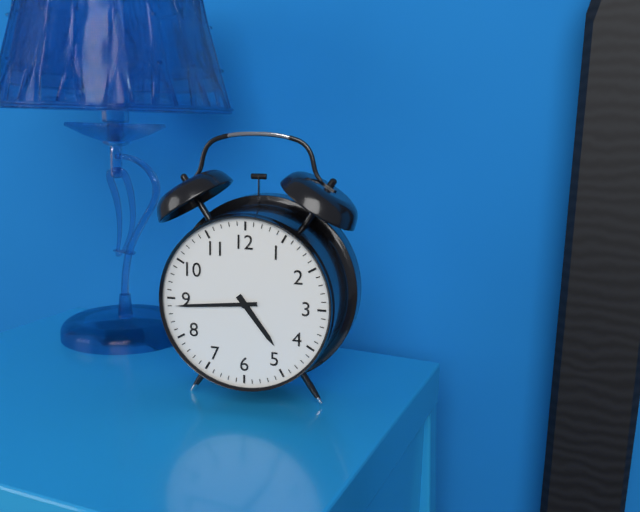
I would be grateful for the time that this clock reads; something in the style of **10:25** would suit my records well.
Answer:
**4:44**
